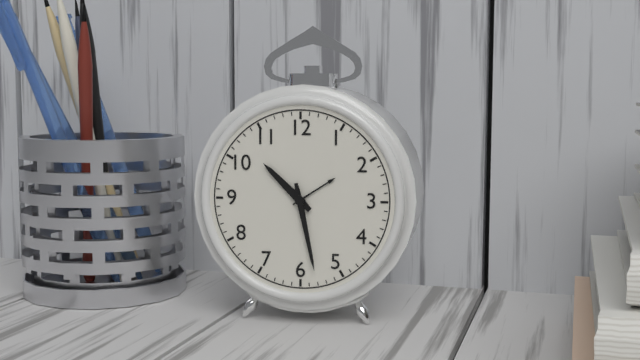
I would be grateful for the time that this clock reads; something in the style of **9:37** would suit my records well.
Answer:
**10:28**
